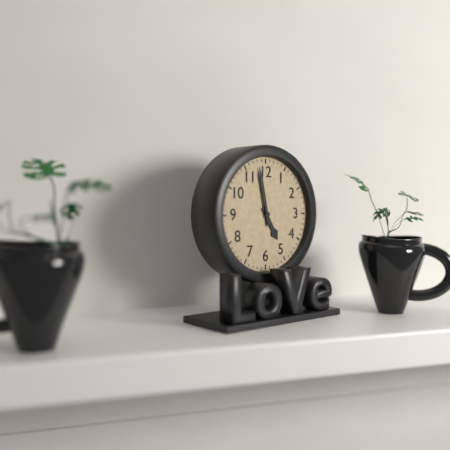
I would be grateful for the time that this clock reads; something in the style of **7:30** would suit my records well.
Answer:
**4:58**
